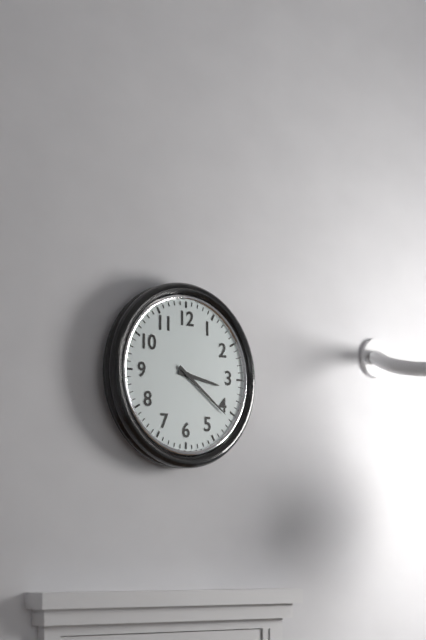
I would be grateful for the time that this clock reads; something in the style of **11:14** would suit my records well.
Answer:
**3:21**
